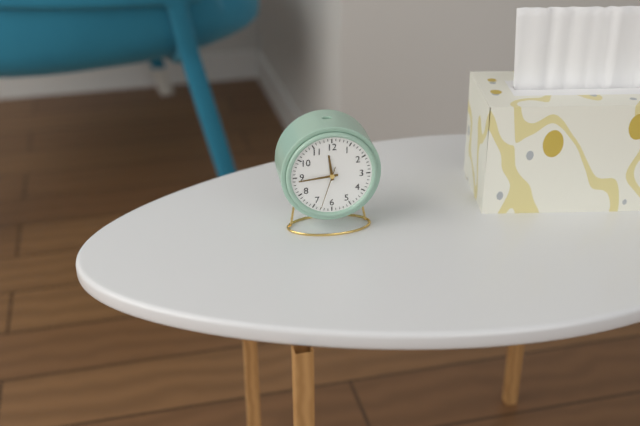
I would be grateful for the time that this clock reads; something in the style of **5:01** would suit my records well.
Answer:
**11:44**
